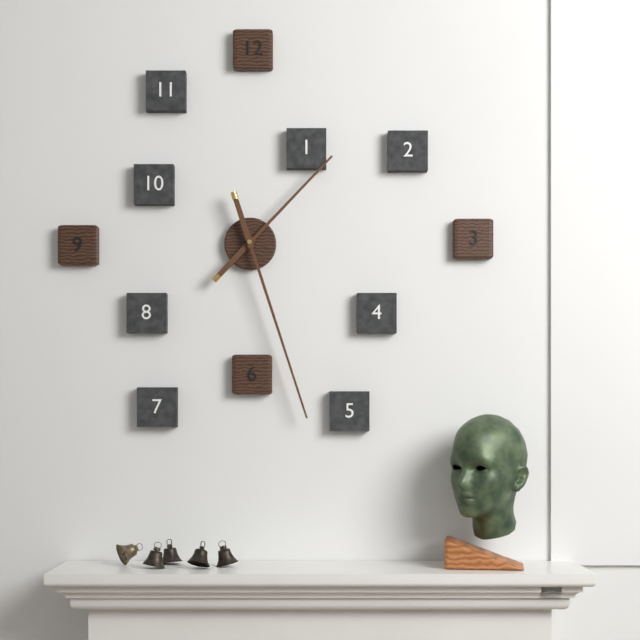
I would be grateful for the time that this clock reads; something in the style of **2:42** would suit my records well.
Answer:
**1:27**
